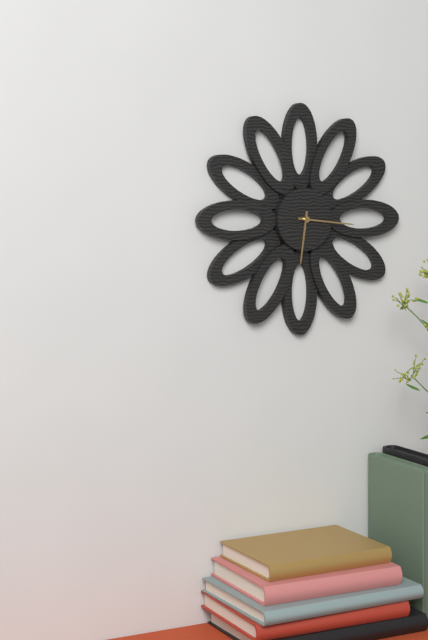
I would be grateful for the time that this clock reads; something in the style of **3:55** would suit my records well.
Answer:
**6:16**
